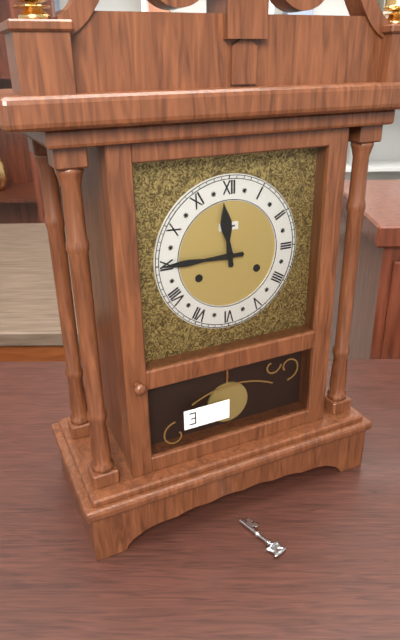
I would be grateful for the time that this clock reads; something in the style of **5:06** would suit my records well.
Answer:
**11:45**
